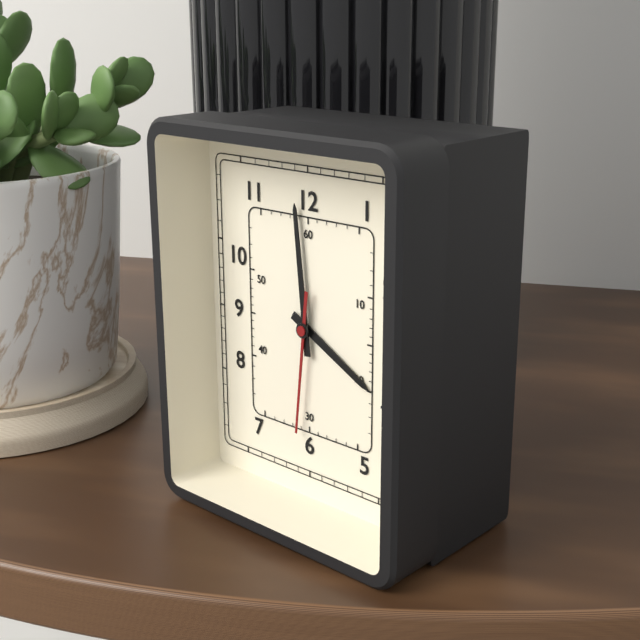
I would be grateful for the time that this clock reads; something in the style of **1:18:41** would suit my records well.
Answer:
**3:59:31**
